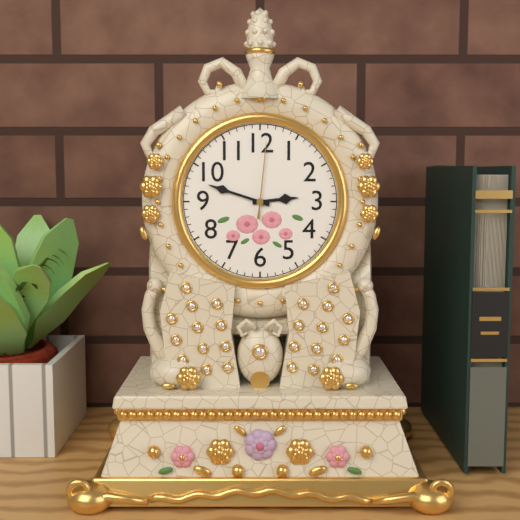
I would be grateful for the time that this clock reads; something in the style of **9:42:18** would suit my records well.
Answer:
**2:48:01**
